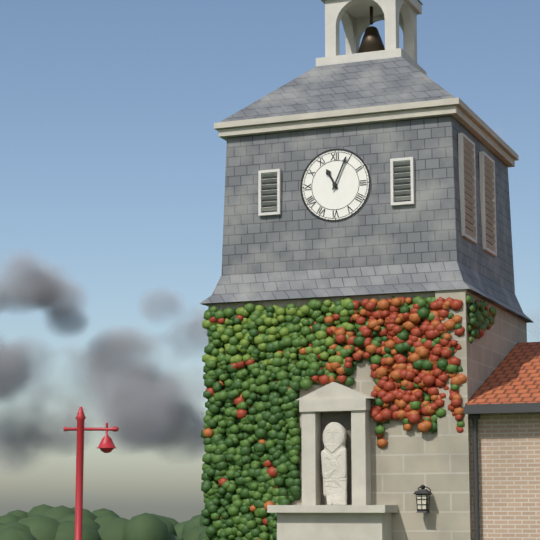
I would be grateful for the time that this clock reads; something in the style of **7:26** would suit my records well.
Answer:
**11:04**
